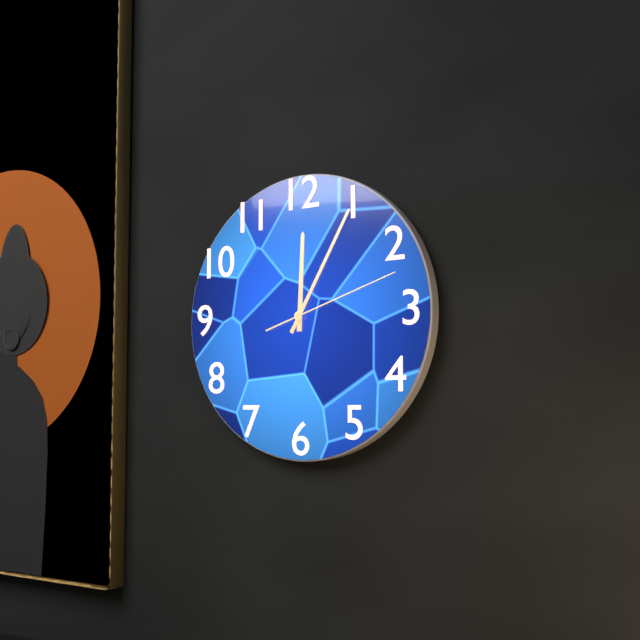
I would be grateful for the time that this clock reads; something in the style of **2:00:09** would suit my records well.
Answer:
**12:05:12**
